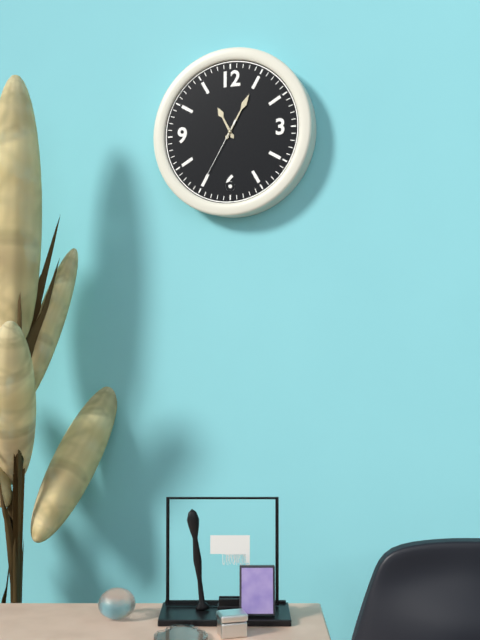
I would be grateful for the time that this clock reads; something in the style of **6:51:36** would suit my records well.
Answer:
**11:05:35**
